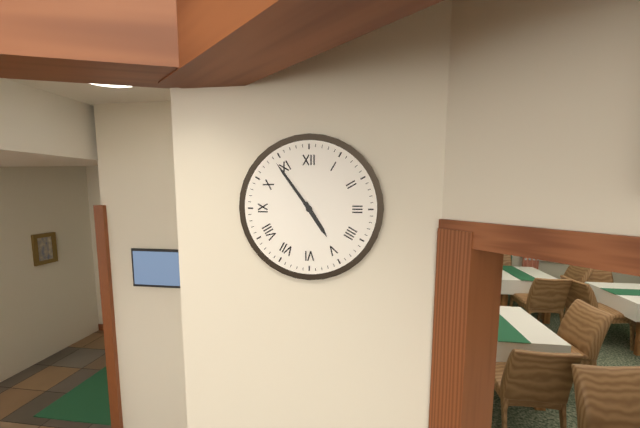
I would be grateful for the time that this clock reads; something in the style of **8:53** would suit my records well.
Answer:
**4:54**
